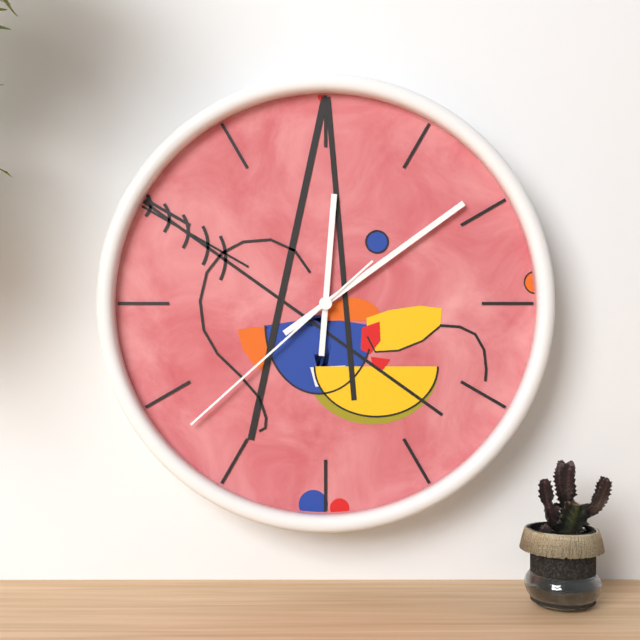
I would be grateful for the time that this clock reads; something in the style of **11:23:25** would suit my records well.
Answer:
**12:09:38**
